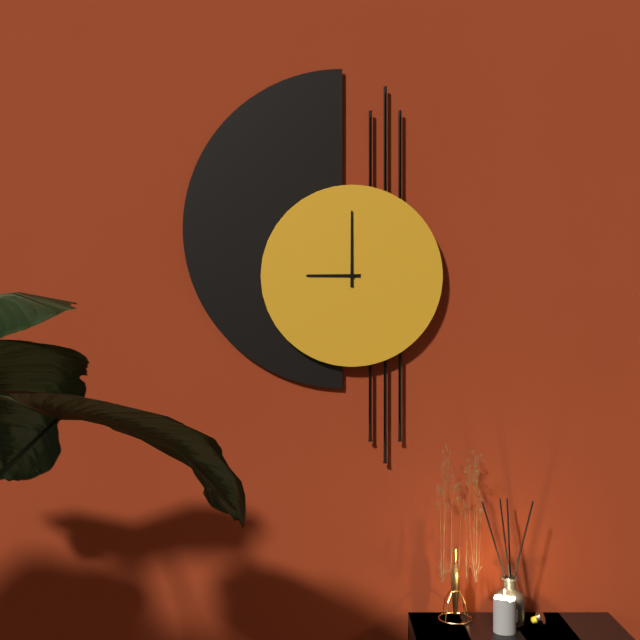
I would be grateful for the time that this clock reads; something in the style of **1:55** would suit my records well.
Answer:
**9:00**
